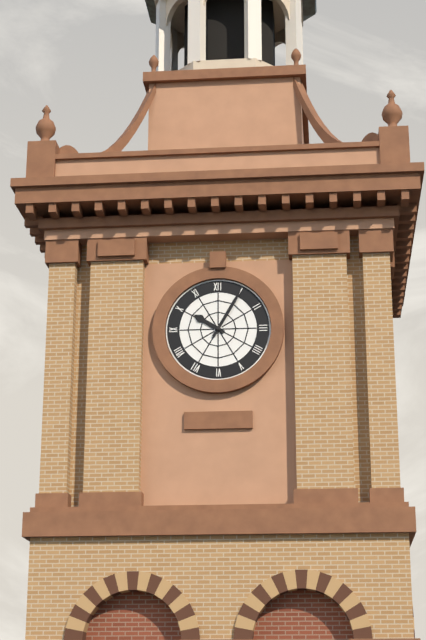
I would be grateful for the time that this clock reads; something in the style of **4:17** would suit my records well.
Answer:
**10:05**
